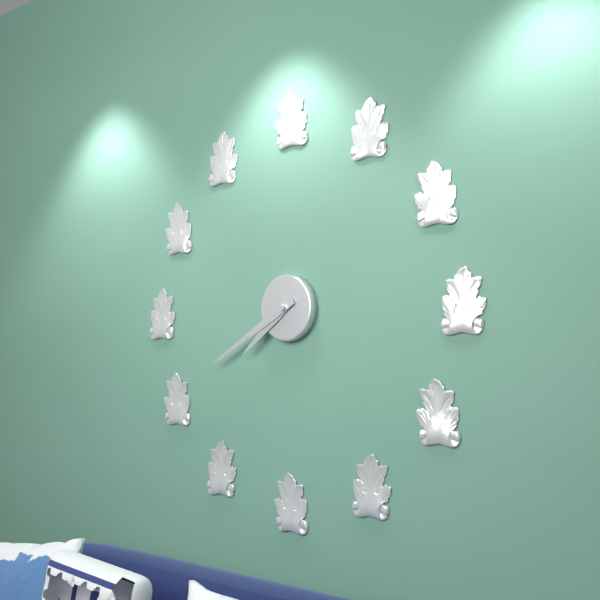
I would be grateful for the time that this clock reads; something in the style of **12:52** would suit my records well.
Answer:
**7:40**
